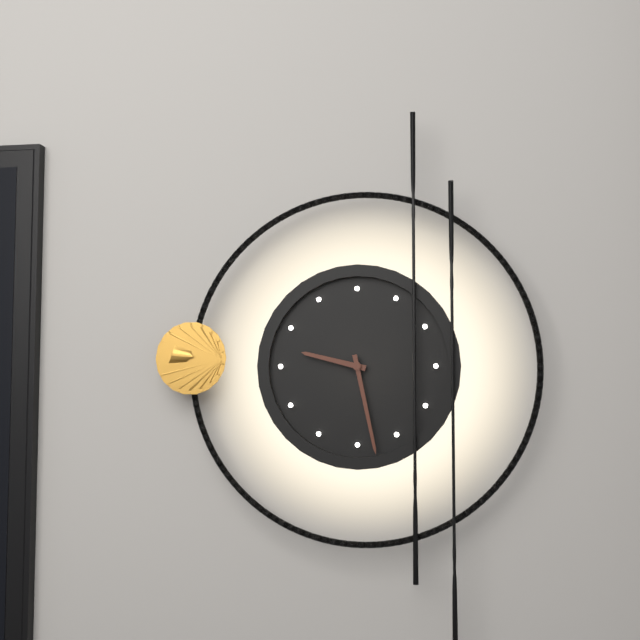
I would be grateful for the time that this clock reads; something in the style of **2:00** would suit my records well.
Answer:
**9:28**
